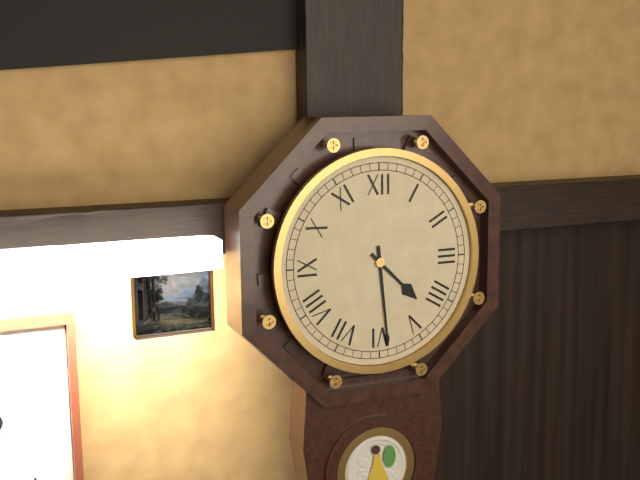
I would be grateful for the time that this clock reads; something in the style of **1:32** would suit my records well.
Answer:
**4:29**
